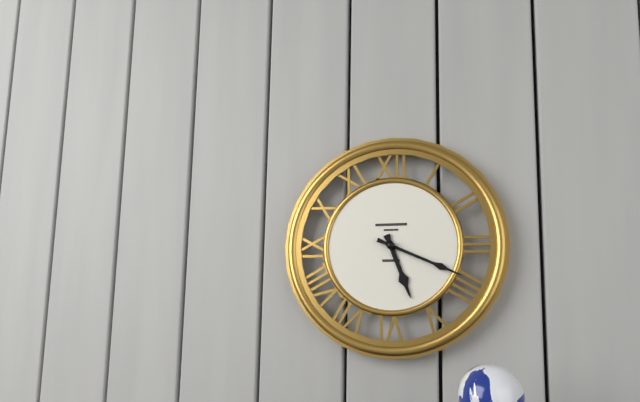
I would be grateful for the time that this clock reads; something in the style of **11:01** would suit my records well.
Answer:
**5:19**
